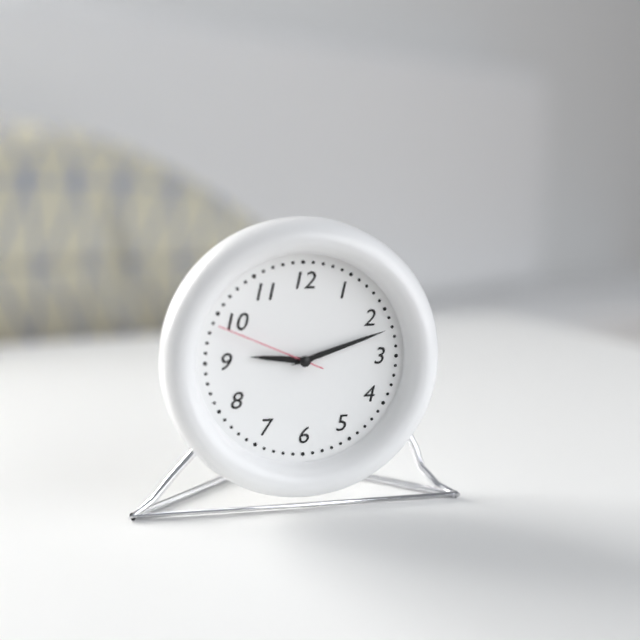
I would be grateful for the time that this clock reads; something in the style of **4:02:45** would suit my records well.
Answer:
**9:12:49**
